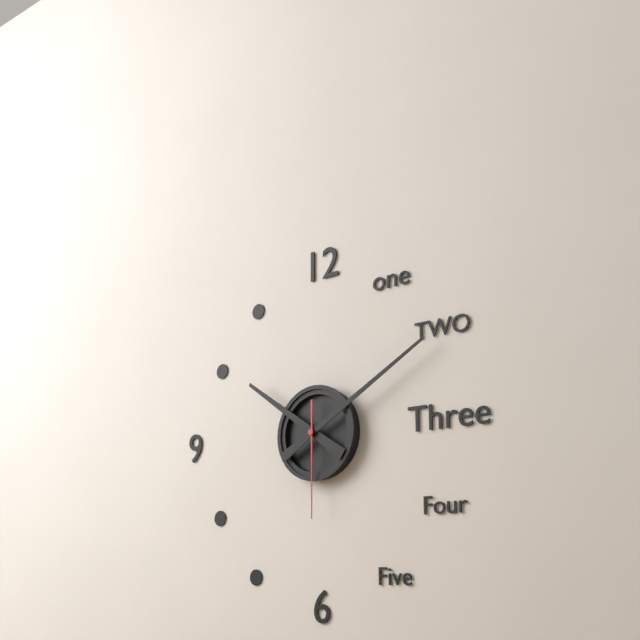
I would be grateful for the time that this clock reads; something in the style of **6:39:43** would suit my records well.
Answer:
**10:10:30**
